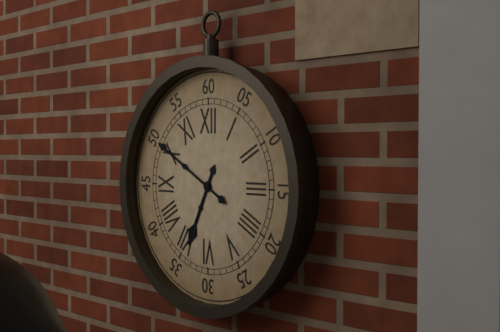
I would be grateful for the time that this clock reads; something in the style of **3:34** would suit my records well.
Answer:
**6:50**
